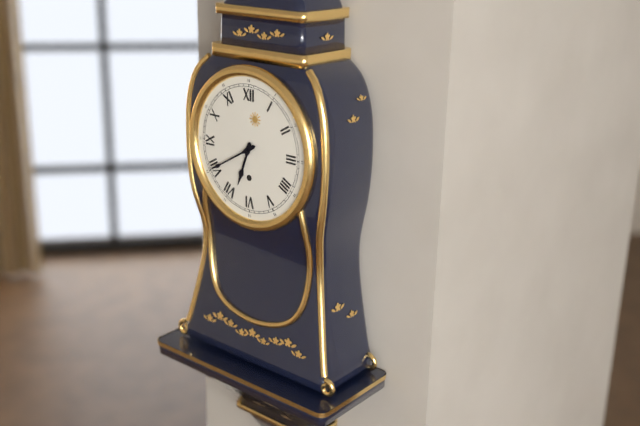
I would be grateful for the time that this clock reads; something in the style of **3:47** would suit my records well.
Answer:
**6:40**
